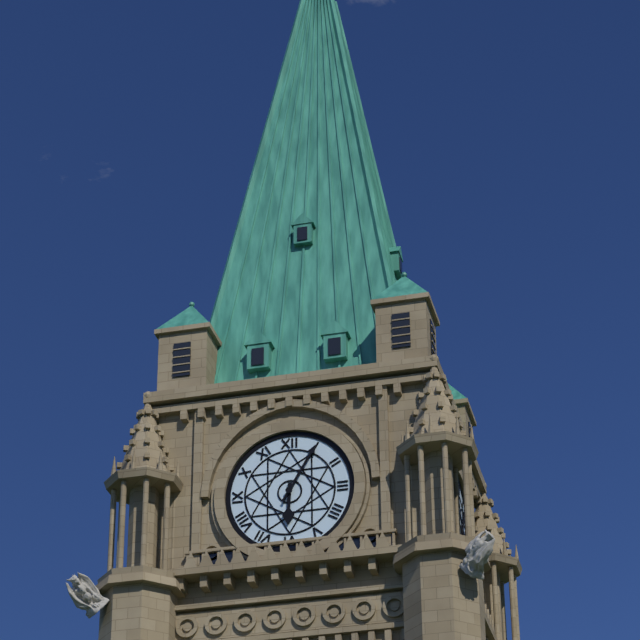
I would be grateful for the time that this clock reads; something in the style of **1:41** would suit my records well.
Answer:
**6:05**
